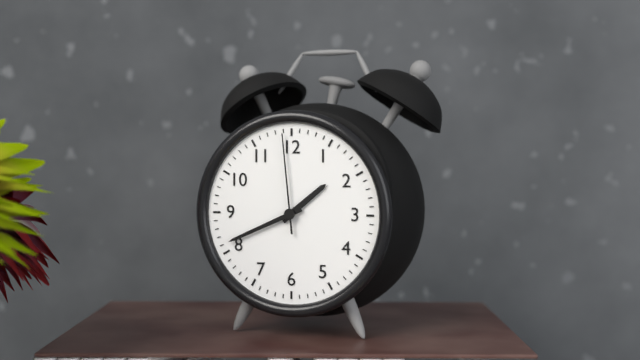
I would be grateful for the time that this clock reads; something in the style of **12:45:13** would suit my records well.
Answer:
**1:41:59**
